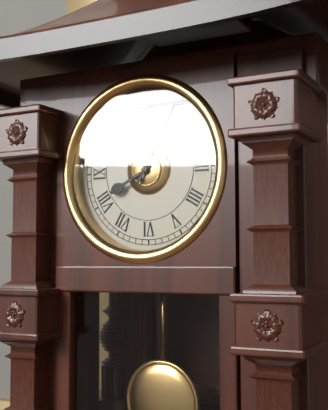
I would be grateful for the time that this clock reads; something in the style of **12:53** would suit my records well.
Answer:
**8:05**
